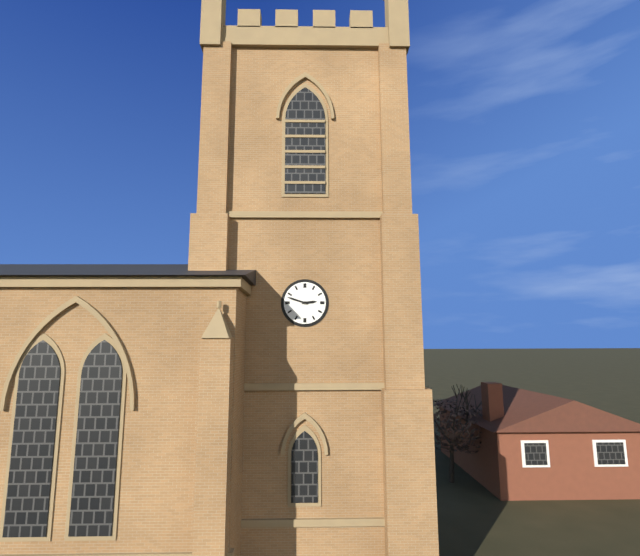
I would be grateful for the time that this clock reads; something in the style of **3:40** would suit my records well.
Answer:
**2:48**
